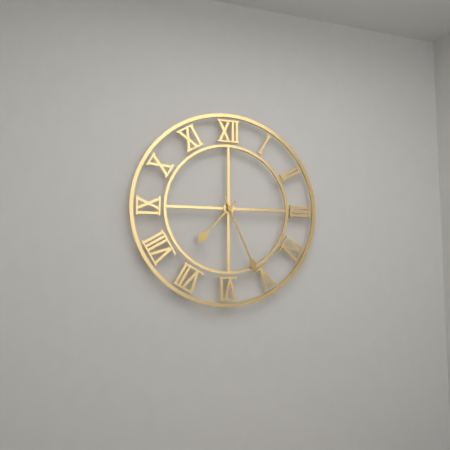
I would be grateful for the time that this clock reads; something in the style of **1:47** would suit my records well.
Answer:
**7:26**
